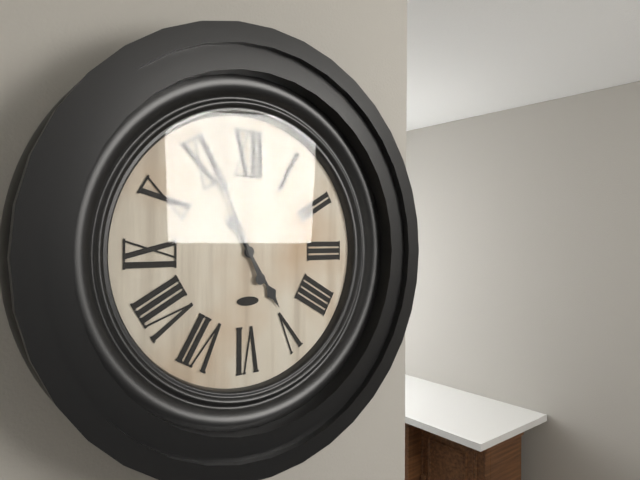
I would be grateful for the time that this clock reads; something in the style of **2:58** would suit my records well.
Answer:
**4:56**
